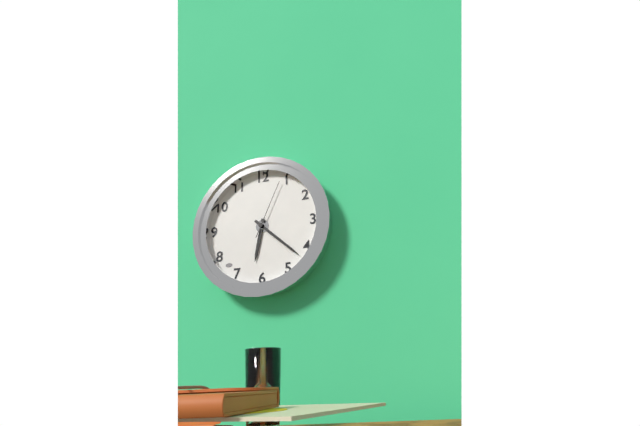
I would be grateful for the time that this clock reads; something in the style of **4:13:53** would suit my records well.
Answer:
**6:22:04**
